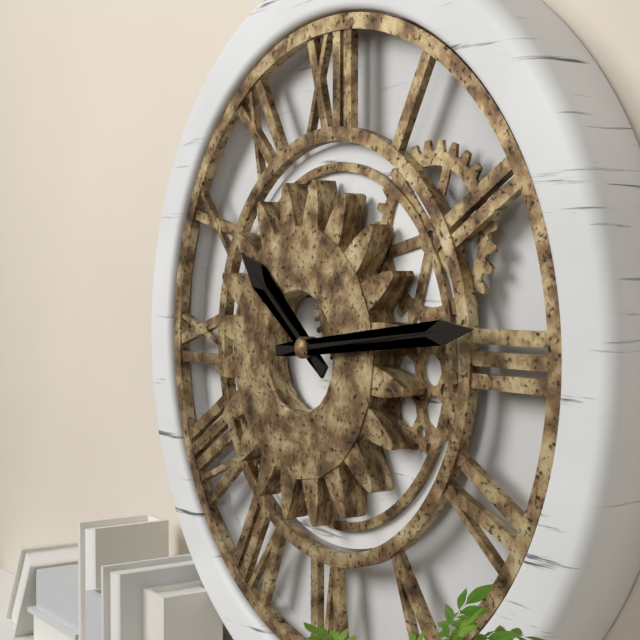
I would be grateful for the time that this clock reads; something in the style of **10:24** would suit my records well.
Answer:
**10:14**
